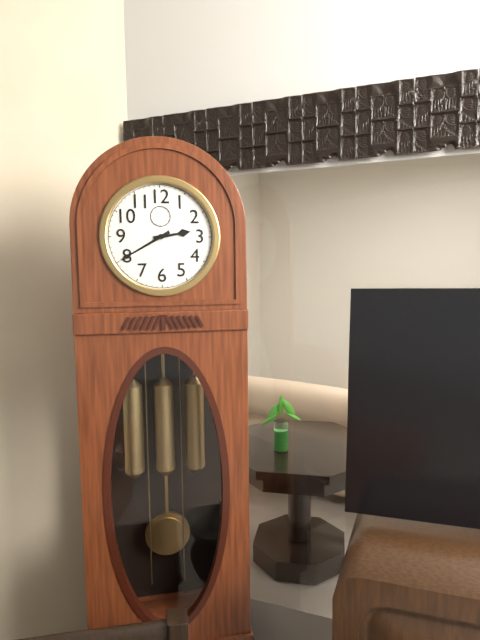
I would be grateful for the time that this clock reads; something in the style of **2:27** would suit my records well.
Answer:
**2:40**
